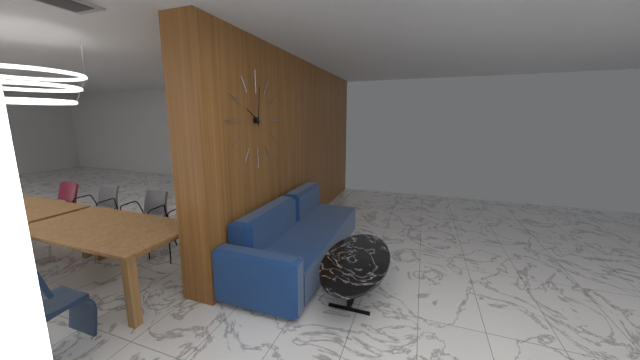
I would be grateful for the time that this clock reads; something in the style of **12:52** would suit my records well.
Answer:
**10:01**
